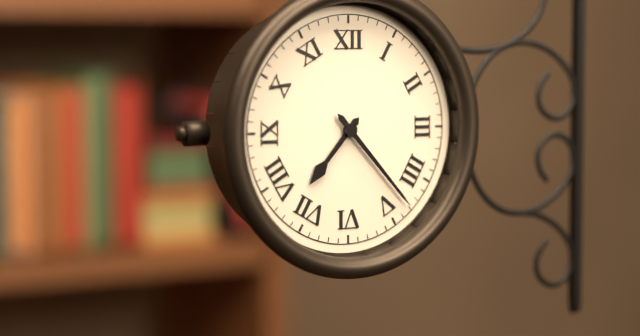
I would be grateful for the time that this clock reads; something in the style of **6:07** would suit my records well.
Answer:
**7:23**
